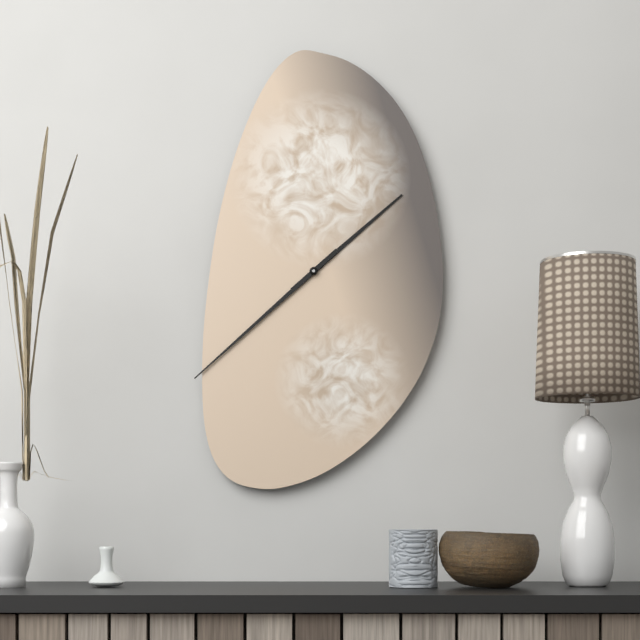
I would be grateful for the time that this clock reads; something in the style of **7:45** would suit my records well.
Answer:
**1:38**
